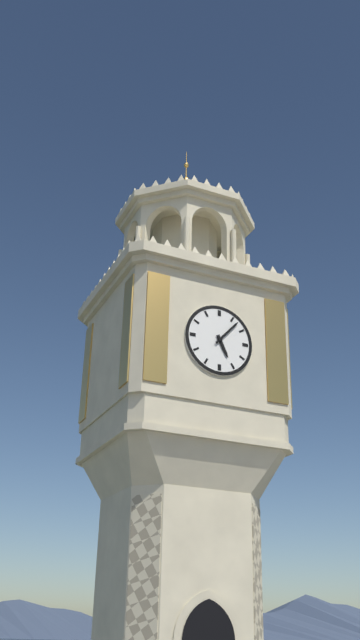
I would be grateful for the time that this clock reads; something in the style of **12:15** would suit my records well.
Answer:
**5:07**
